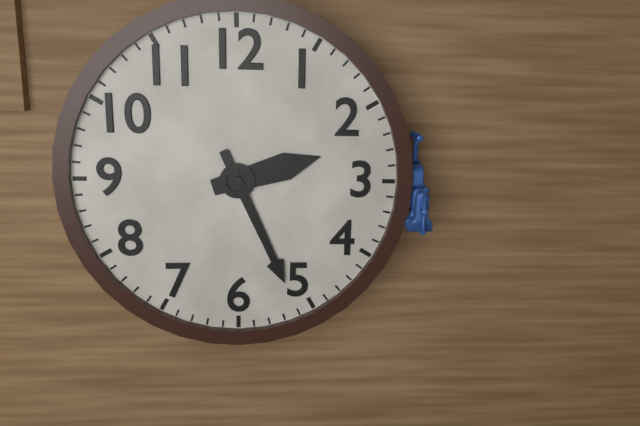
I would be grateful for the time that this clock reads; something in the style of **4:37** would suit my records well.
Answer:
**2:26**
